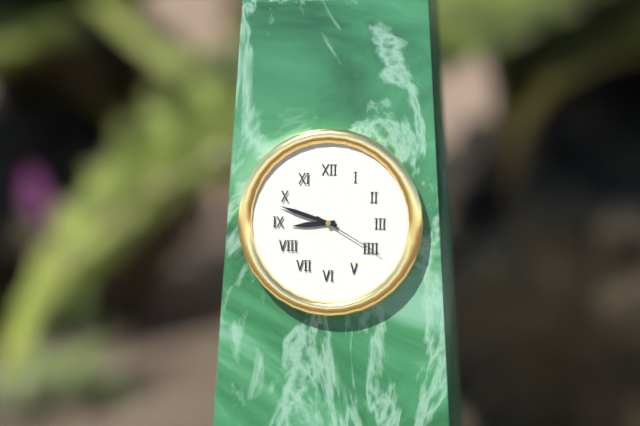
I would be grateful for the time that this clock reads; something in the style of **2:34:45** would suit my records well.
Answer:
**8:48:20**
